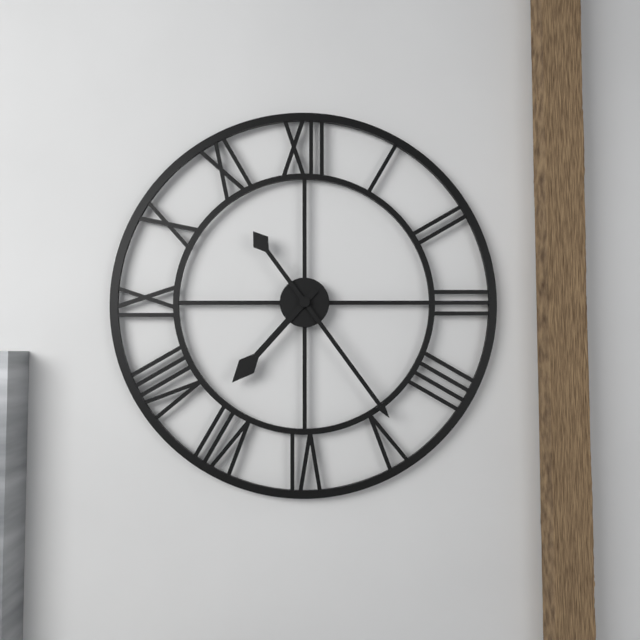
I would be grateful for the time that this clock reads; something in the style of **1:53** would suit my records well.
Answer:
**7:24**
